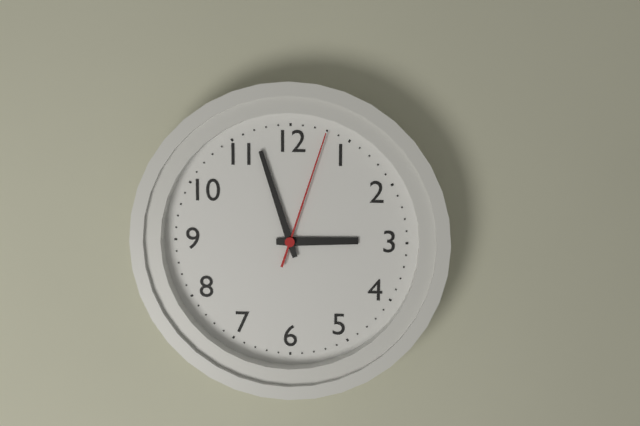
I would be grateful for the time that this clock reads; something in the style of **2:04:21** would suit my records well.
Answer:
**2:57:03**
